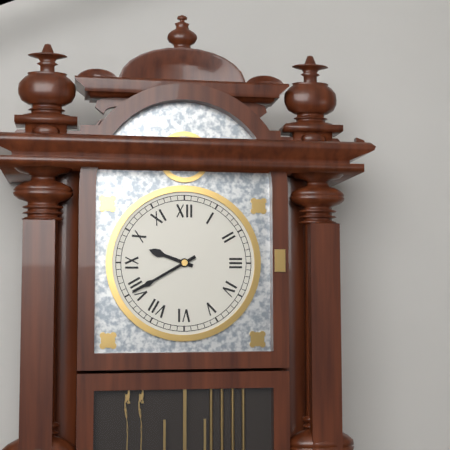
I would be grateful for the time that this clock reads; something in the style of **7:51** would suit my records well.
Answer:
**9:40**
